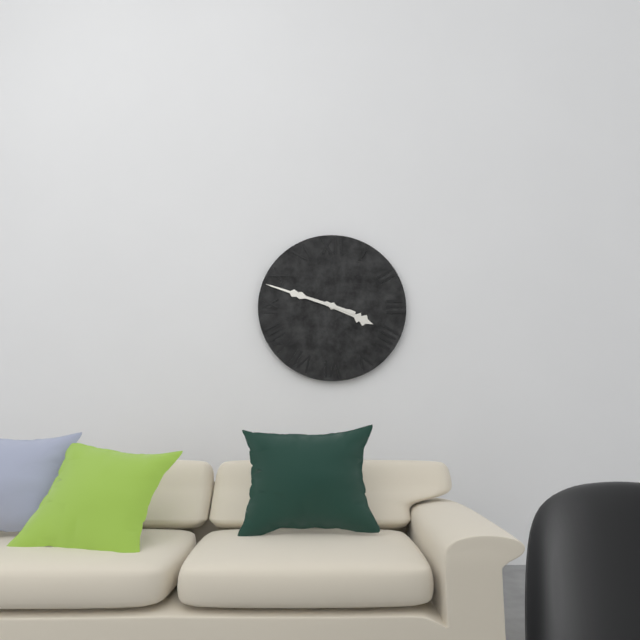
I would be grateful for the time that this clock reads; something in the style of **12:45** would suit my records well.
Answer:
**3:48**
